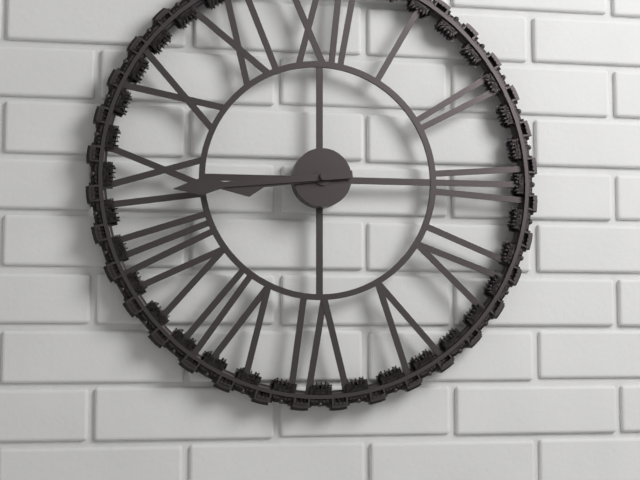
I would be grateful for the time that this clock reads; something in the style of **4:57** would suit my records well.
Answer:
**8:44**
